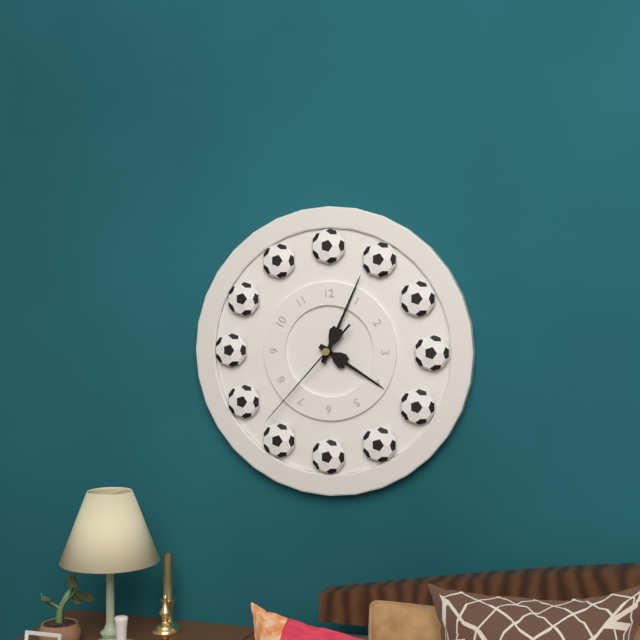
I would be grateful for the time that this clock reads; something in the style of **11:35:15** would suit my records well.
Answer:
**4:04:37**
